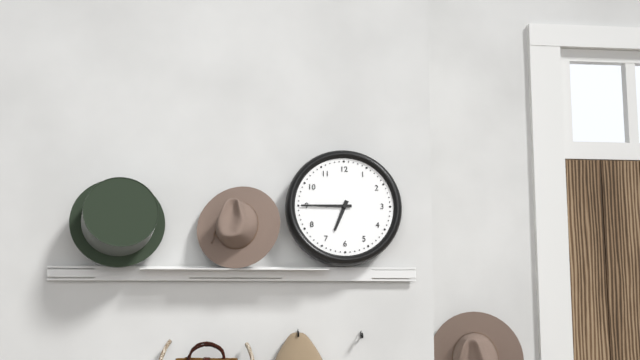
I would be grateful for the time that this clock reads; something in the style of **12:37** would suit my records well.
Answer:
**6:45**
